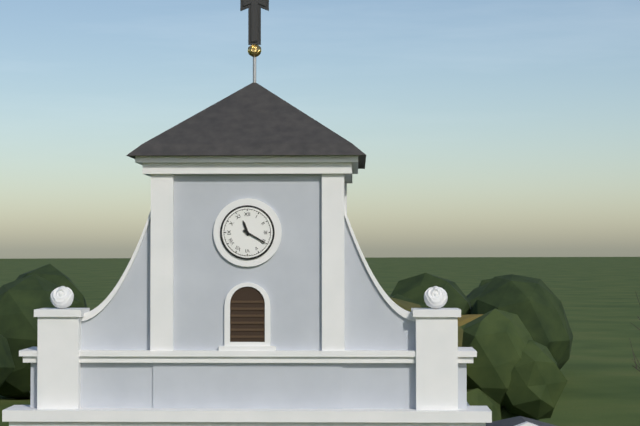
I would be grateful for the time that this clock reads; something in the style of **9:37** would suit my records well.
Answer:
**11:20**
